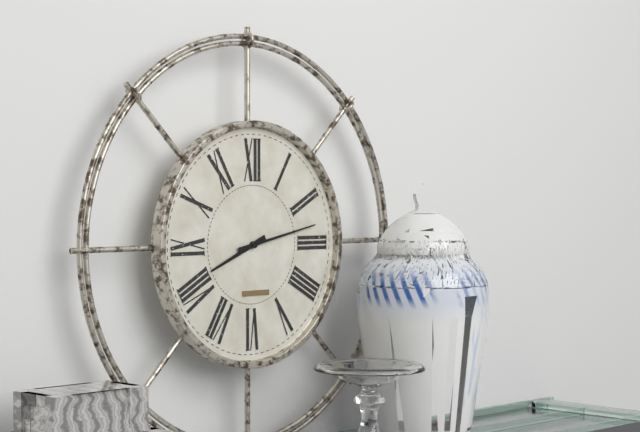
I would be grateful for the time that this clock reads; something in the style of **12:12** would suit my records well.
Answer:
**8:13**
